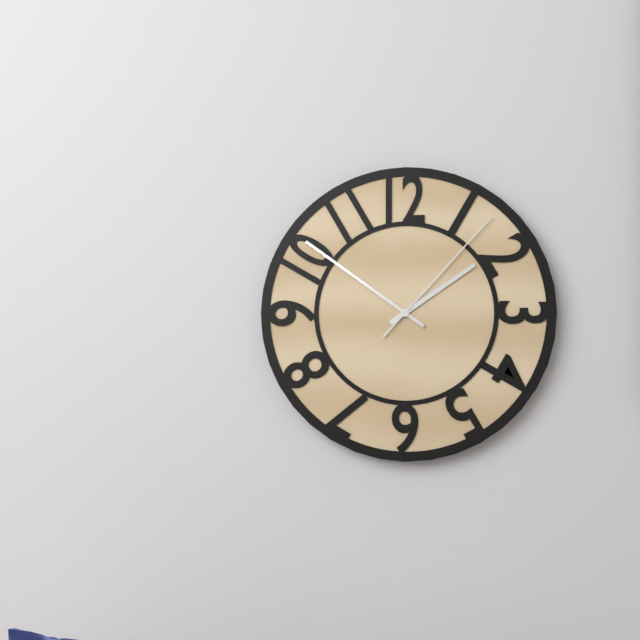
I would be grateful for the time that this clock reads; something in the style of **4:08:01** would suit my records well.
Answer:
**1:51:07**
